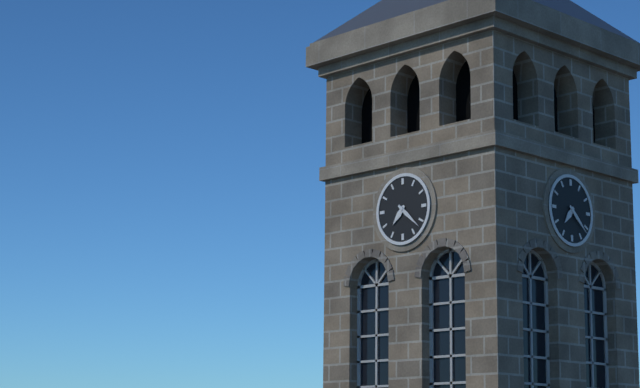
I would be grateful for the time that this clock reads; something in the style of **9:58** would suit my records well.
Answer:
**7:22**
